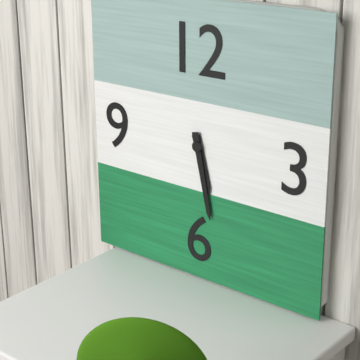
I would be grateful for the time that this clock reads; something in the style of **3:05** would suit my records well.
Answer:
**5:28**
